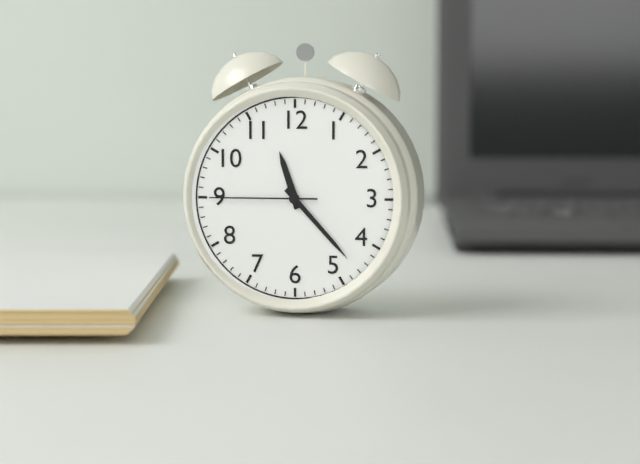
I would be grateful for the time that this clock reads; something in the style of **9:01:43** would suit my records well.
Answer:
**11:23:45**
